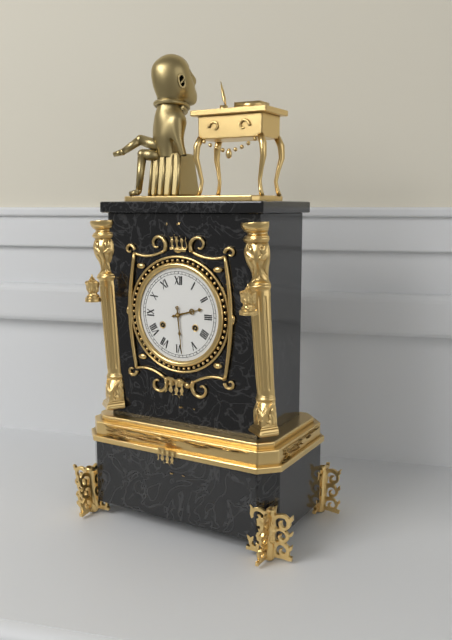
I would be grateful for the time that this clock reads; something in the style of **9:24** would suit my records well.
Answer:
**2:29**
